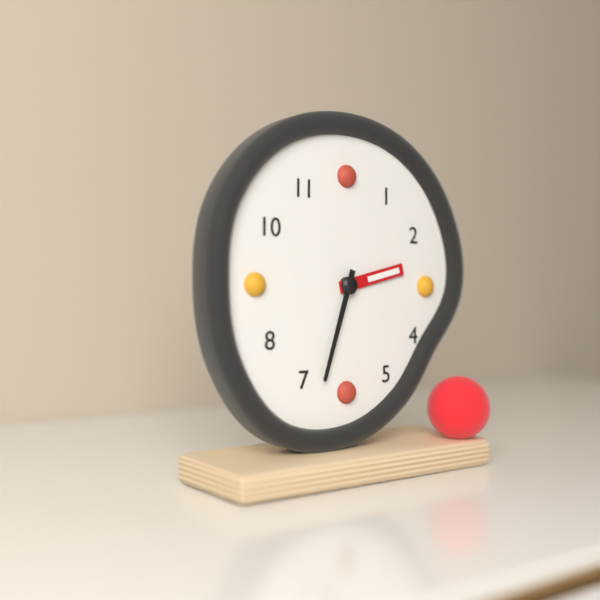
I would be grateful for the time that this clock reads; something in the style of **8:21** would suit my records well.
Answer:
**2:33**
